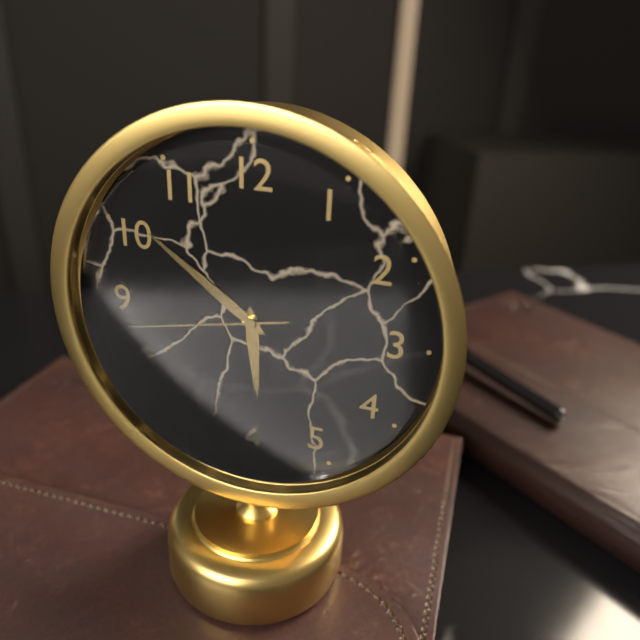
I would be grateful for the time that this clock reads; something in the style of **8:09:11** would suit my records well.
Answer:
**5:51:43**
